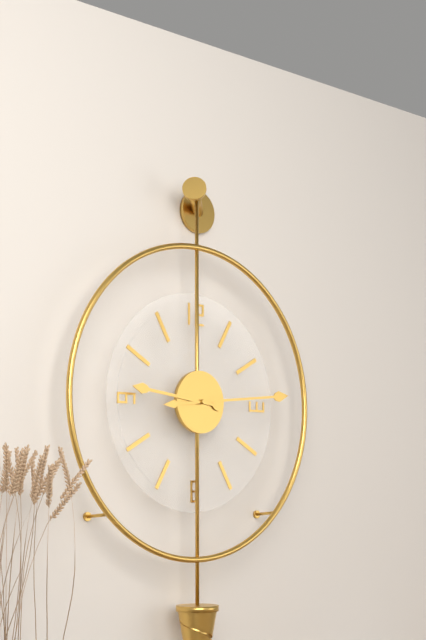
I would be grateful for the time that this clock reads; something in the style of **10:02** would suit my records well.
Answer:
**9:14**
